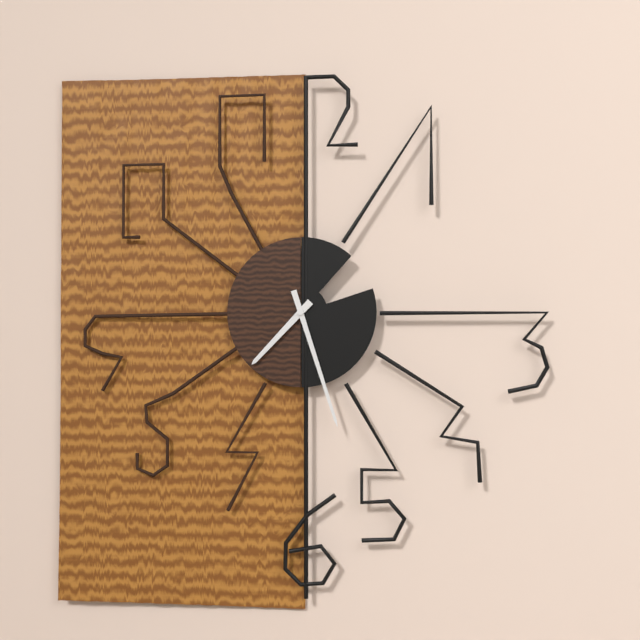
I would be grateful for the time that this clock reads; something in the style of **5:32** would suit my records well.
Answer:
**7:27**
